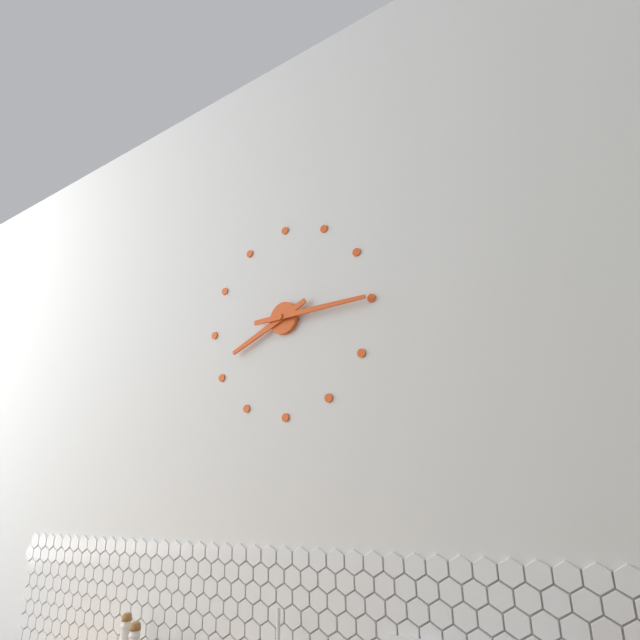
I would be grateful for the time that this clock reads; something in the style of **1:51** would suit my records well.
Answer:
**8:15**
